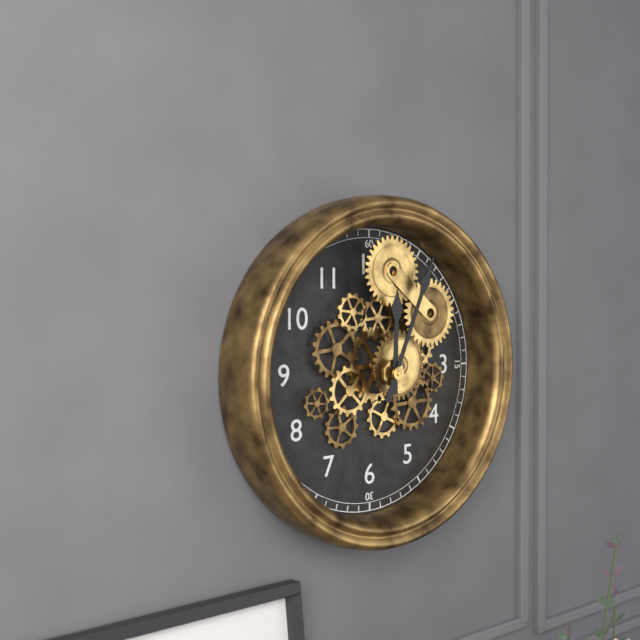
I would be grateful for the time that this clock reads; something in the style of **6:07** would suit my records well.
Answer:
**12:04**
